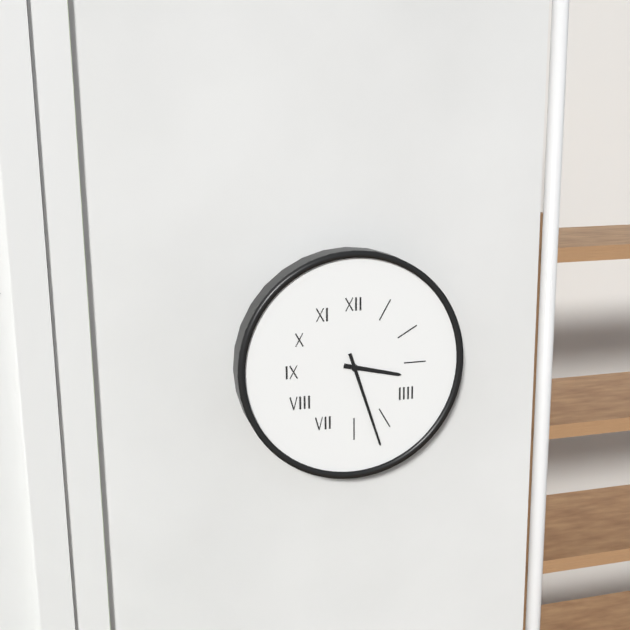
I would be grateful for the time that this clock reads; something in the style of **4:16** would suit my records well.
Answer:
**3:27**
